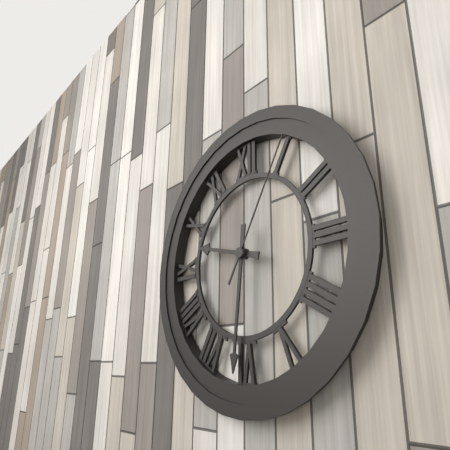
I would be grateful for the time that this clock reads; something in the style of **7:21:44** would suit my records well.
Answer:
**9:31:05**
